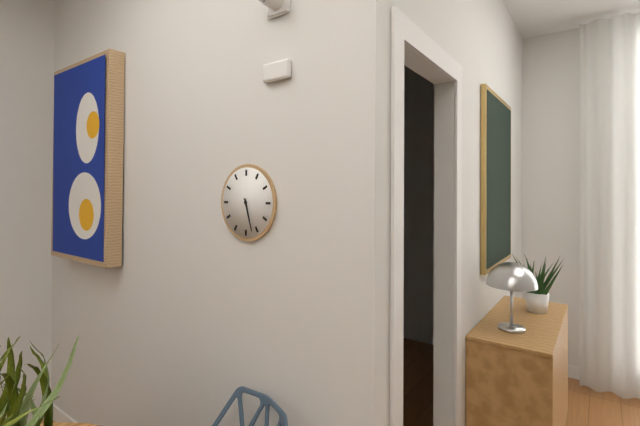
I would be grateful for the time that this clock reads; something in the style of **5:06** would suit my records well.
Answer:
**5:27**
